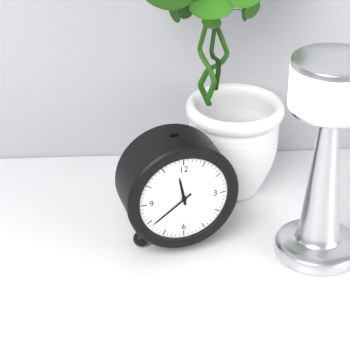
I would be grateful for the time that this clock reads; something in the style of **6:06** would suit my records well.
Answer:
**11:39**
